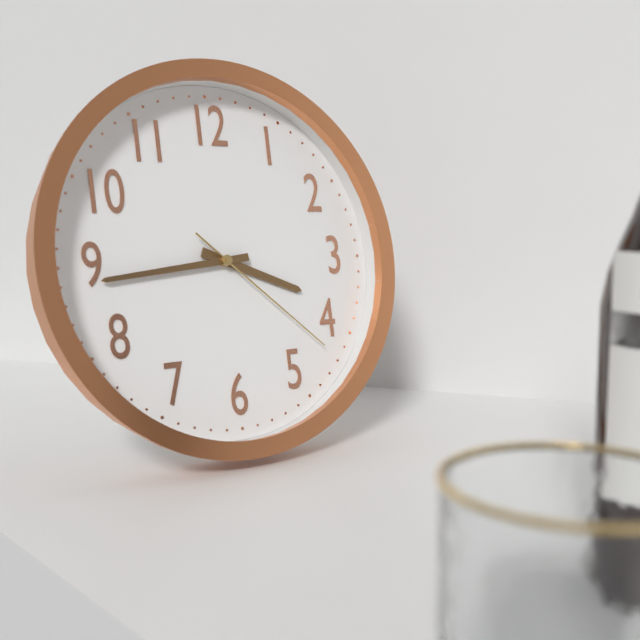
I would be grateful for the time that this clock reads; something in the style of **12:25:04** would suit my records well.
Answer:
**3:44:22**
